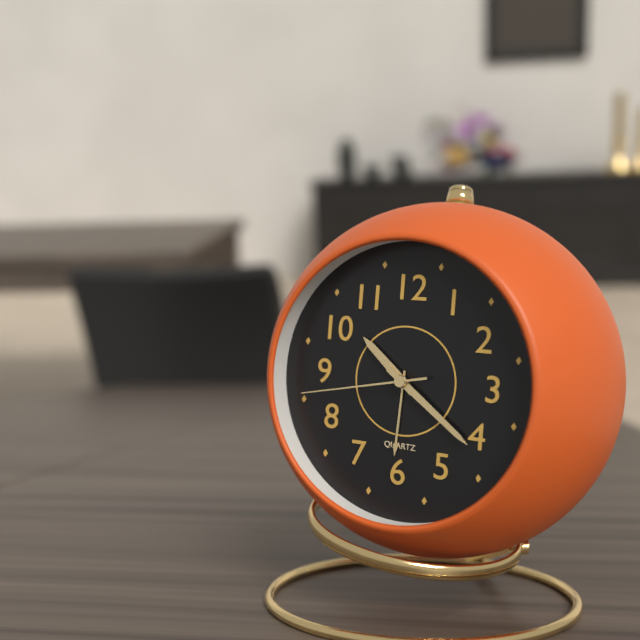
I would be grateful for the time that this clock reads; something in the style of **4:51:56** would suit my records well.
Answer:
**10:21:43**
